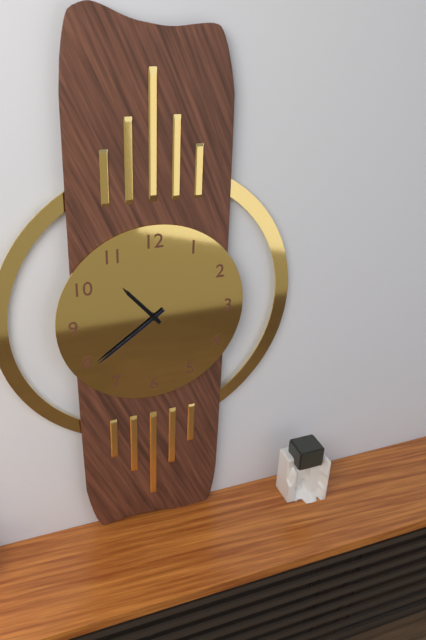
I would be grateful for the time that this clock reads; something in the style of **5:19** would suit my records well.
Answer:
**10:39**
